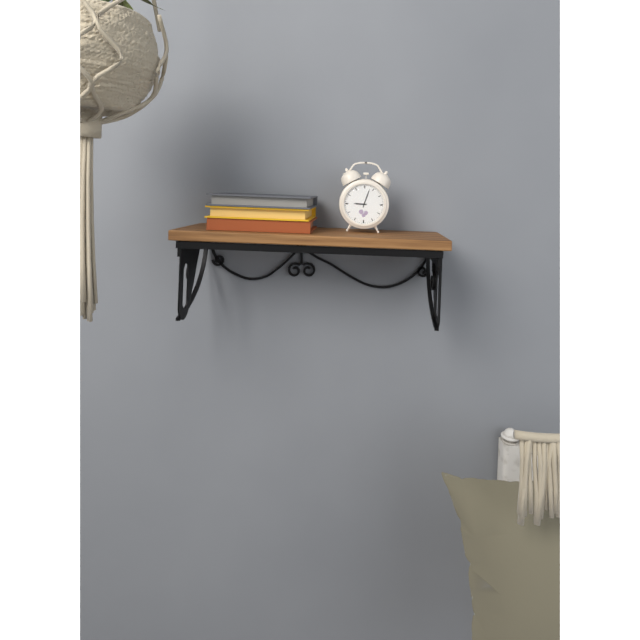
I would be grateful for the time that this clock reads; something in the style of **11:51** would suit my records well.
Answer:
**9:03**
